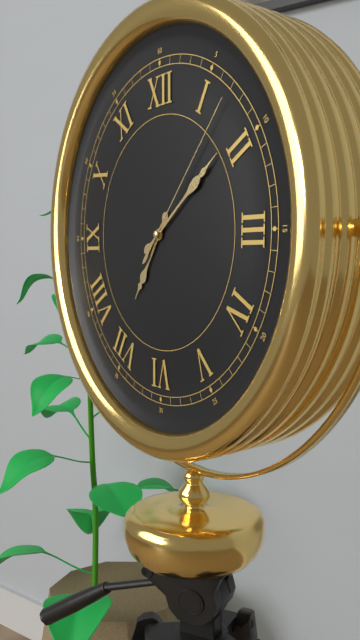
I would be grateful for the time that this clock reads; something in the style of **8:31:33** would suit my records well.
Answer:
**7:09:07**
